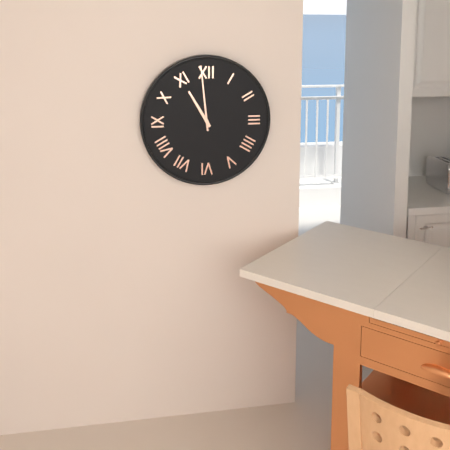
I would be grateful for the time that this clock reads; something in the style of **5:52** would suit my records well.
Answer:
**10:59**
